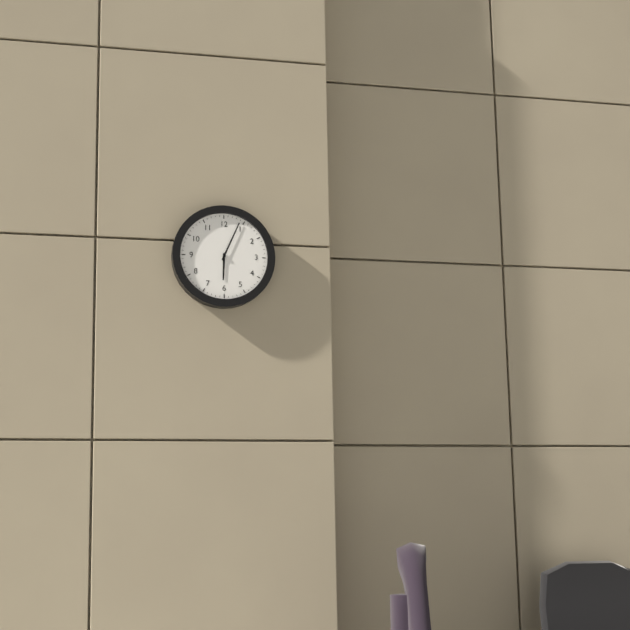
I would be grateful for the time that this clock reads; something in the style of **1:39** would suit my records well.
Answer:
**6:04**
